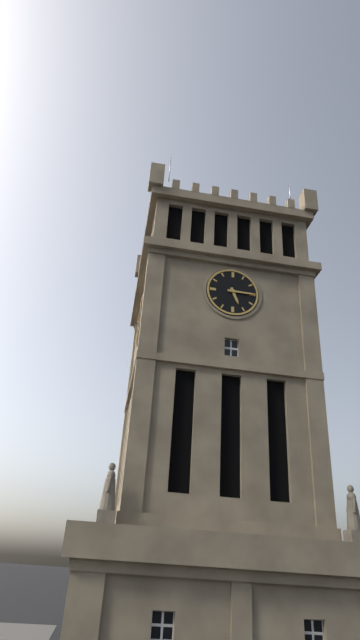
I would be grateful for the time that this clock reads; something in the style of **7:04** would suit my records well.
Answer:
**5:15**
